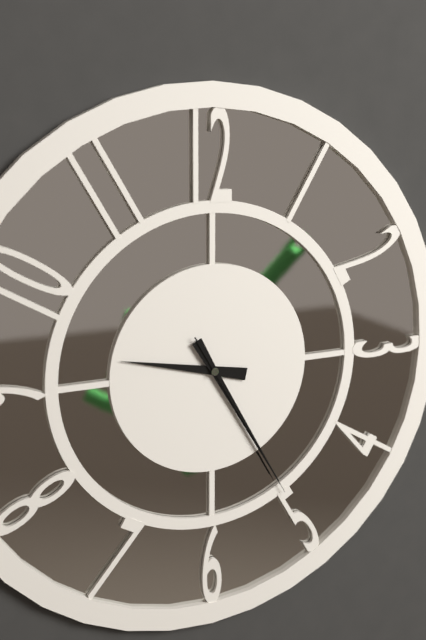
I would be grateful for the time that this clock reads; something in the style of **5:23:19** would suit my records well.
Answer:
**9:25:25**
